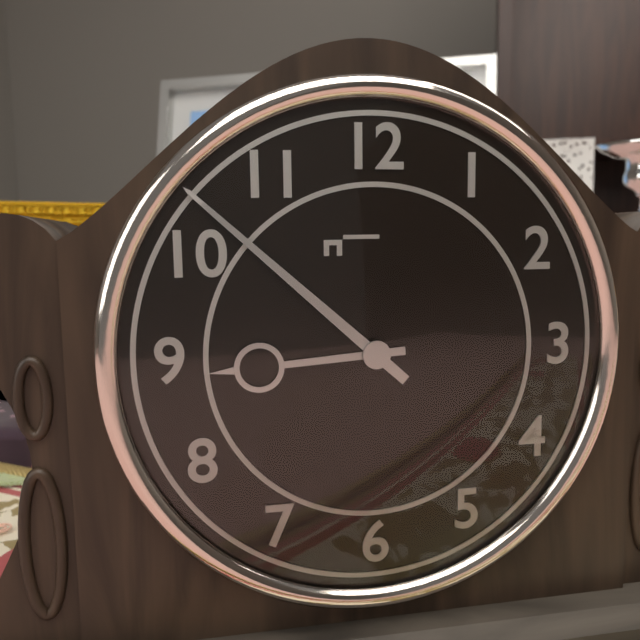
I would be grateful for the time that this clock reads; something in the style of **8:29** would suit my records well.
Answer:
**8:52**
